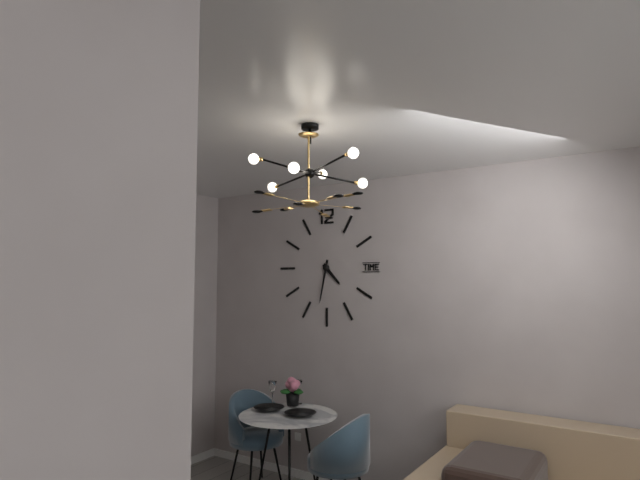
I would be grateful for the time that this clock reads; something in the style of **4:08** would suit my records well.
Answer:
**4:32**
